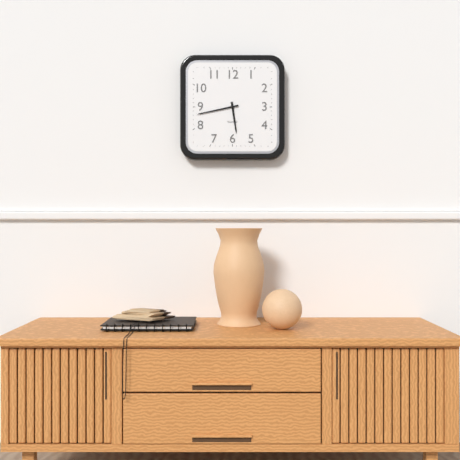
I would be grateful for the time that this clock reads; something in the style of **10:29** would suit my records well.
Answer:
**5:43**
